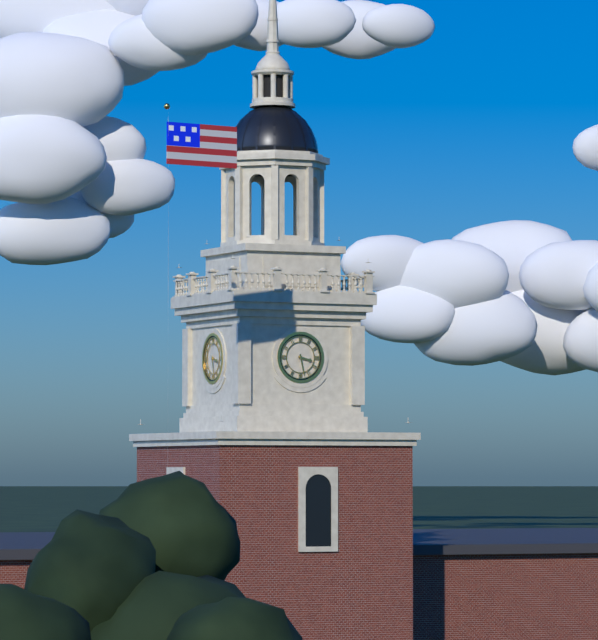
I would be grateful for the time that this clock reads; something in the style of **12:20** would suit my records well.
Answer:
**3:28**
